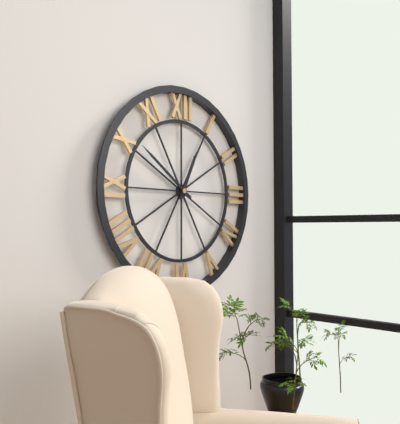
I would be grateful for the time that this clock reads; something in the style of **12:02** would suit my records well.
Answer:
**12:51**
